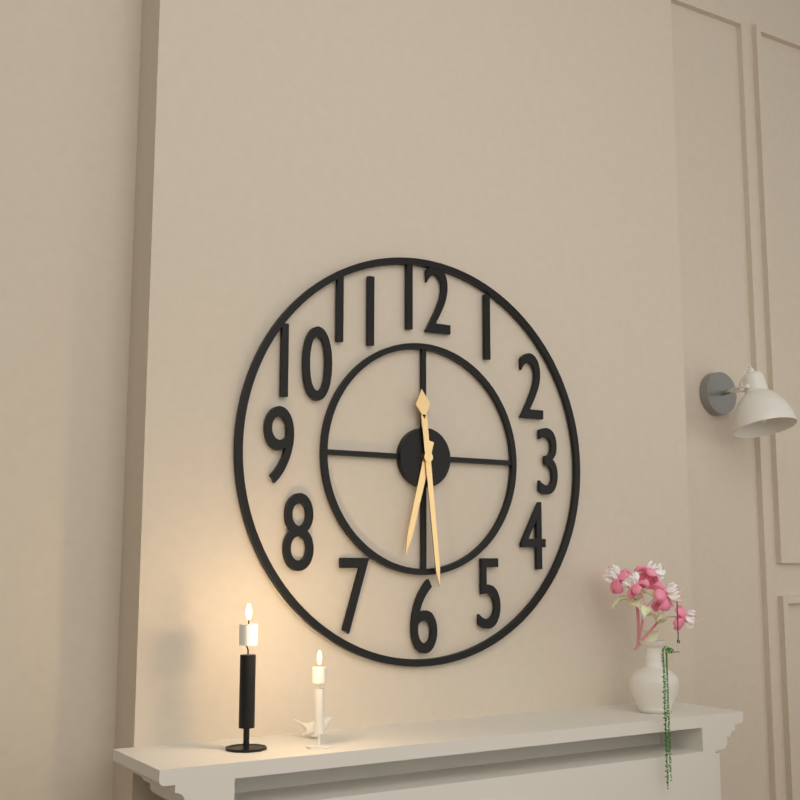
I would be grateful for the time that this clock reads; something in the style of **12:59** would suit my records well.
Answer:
**6:29**
